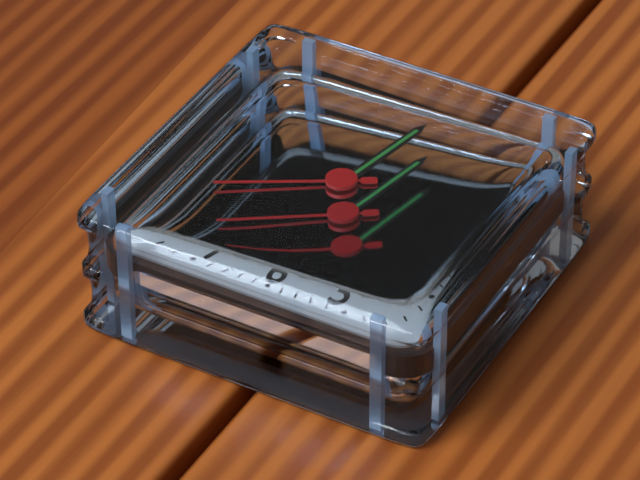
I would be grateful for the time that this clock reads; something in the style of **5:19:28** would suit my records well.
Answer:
**2:02:40**
